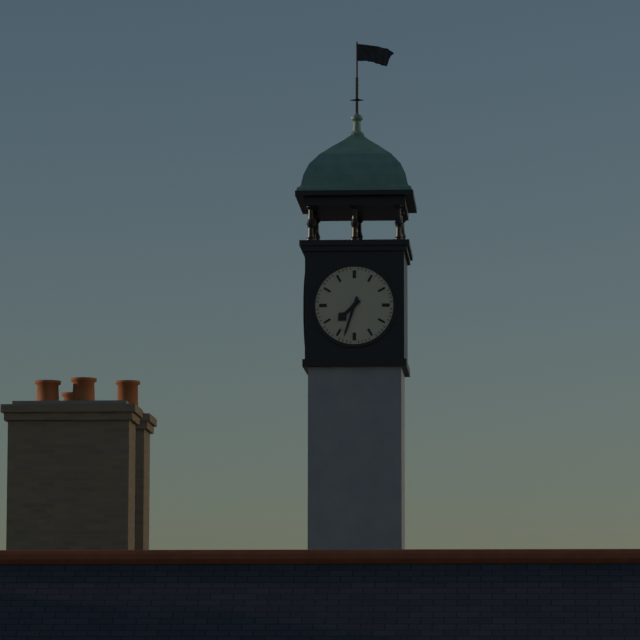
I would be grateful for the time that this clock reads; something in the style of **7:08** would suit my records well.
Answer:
**7:33**
